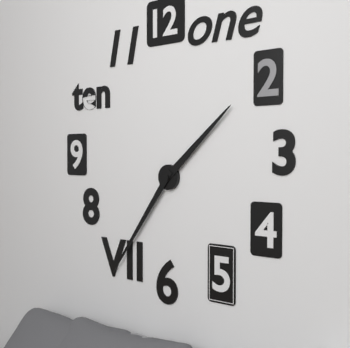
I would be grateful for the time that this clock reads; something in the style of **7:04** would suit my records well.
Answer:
**1:36**
